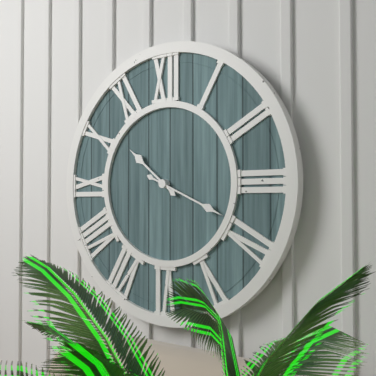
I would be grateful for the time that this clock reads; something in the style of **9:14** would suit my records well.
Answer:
**10:19**
